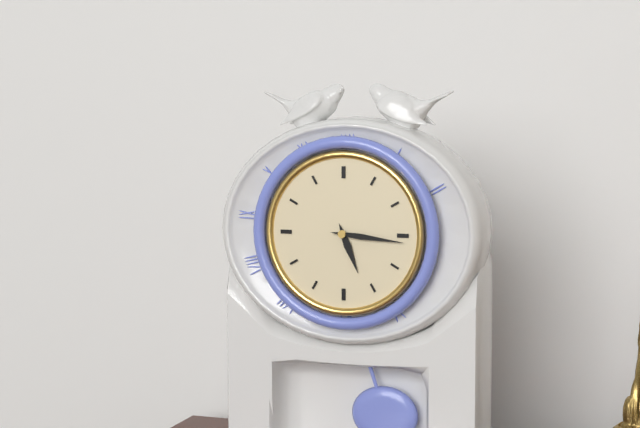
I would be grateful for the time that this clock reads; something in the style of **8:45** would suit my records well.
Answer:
**5:16**
